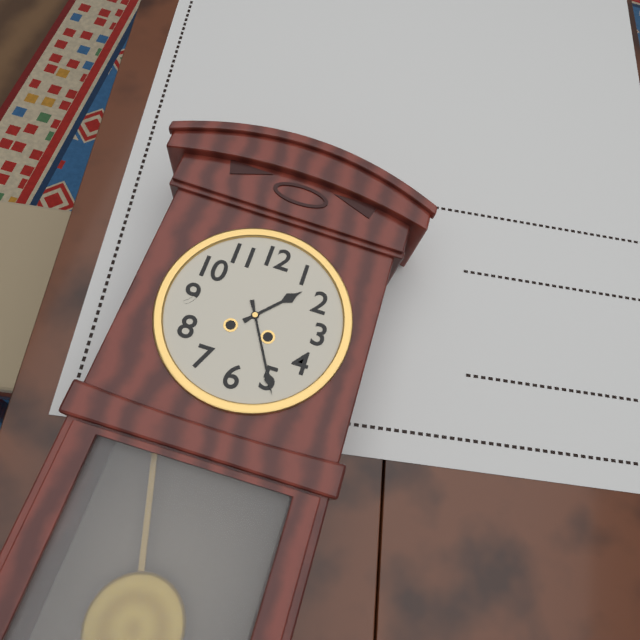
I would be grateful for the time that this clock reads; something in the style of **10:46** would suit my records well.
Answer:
**1:25**
